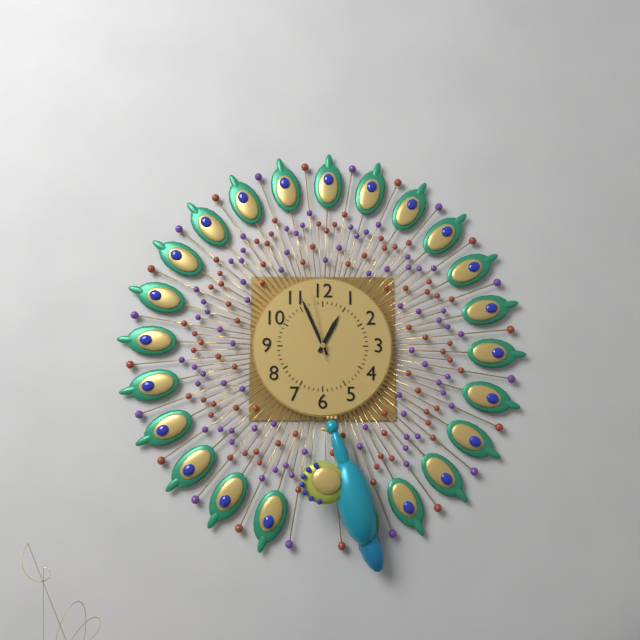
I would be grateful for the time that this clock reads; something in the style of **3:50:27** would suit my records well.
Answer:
**12:56:58**
